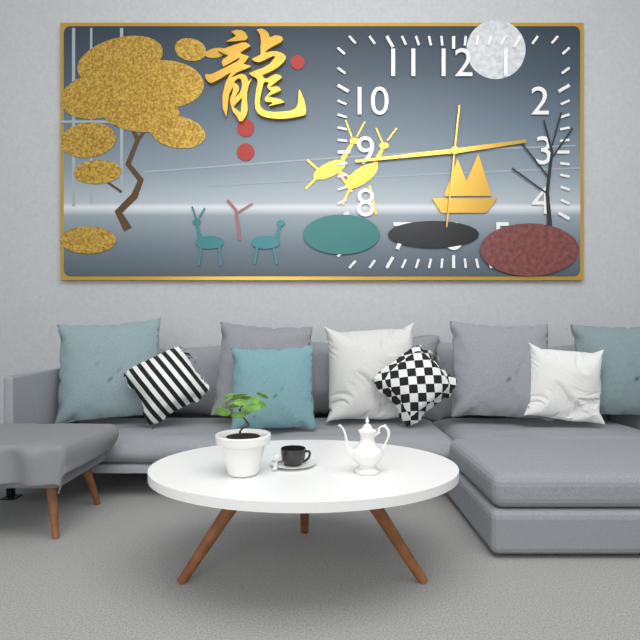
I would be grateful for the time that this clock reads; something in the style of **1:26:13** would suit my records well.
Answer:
**2:44:31**
